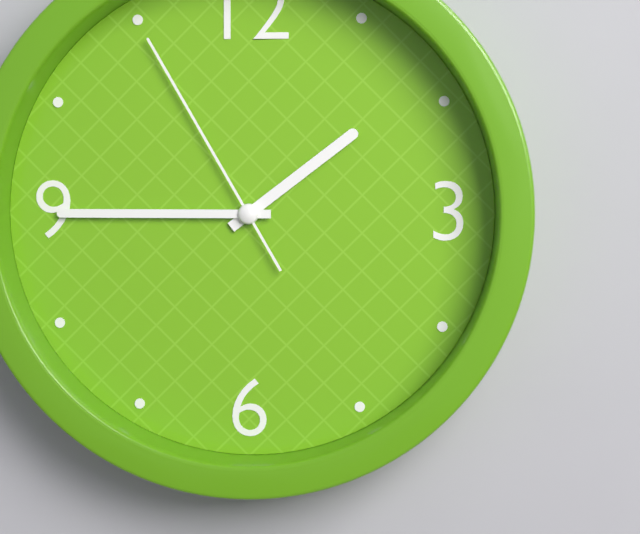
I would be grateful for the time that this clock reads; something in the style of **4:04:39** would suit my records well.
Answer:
**1:45:55**
